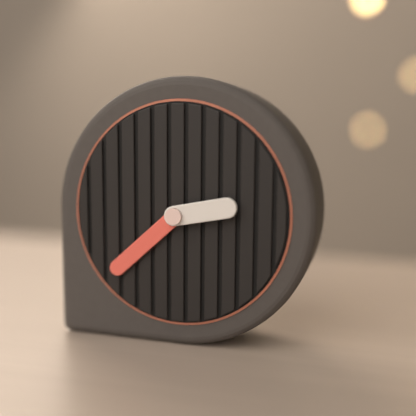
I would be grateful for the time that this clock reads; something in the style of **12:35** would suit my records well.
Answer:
**2:38**
